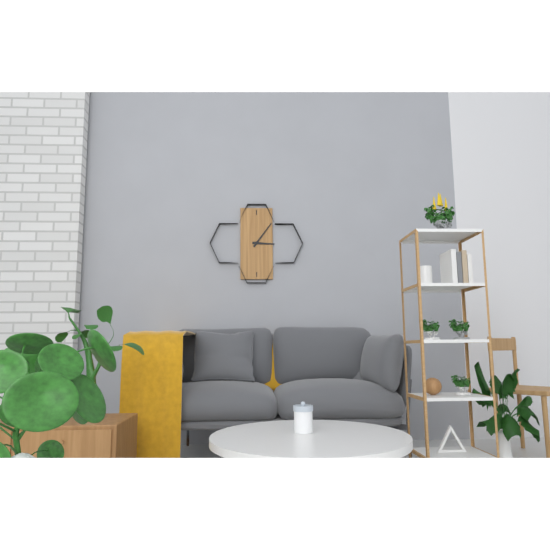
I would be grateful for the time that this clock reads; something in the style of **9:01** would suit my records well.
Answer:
**3:06**
